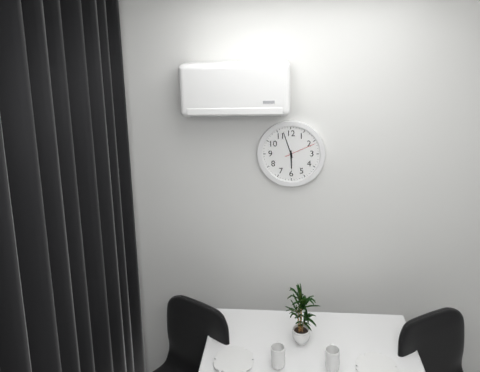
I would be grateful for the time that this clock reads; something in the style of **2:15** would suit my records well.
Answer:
**5:57**
